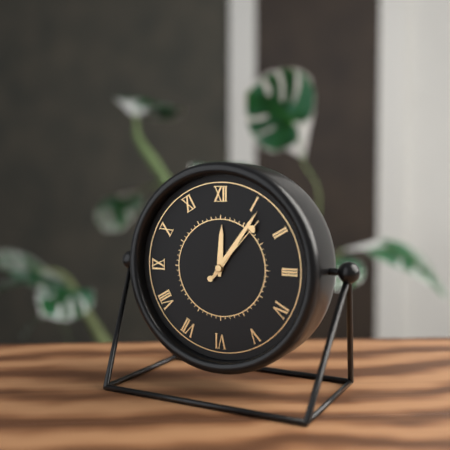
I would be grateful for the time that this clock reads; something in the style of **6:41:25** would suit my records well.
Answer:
**12:06:07**
